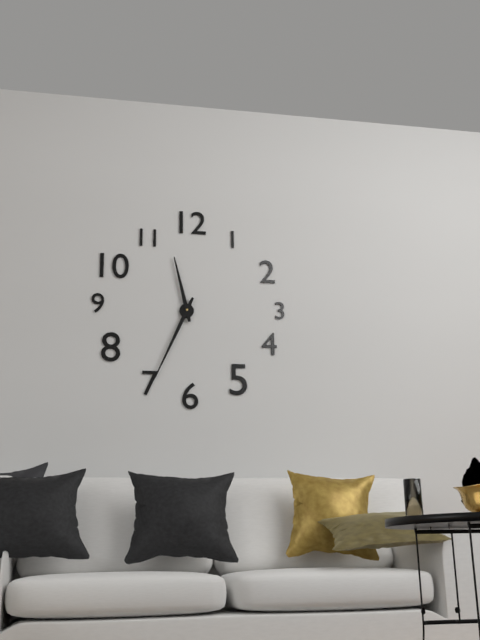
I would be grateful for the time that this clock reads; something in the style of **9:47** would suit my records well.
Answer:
**11:34**
